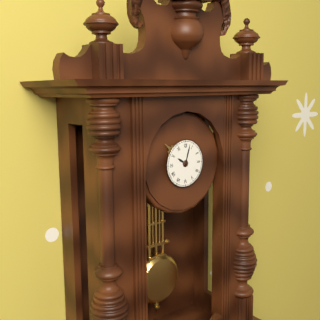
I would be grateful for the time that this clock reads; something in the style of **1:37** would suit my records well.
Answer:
**10:03**
